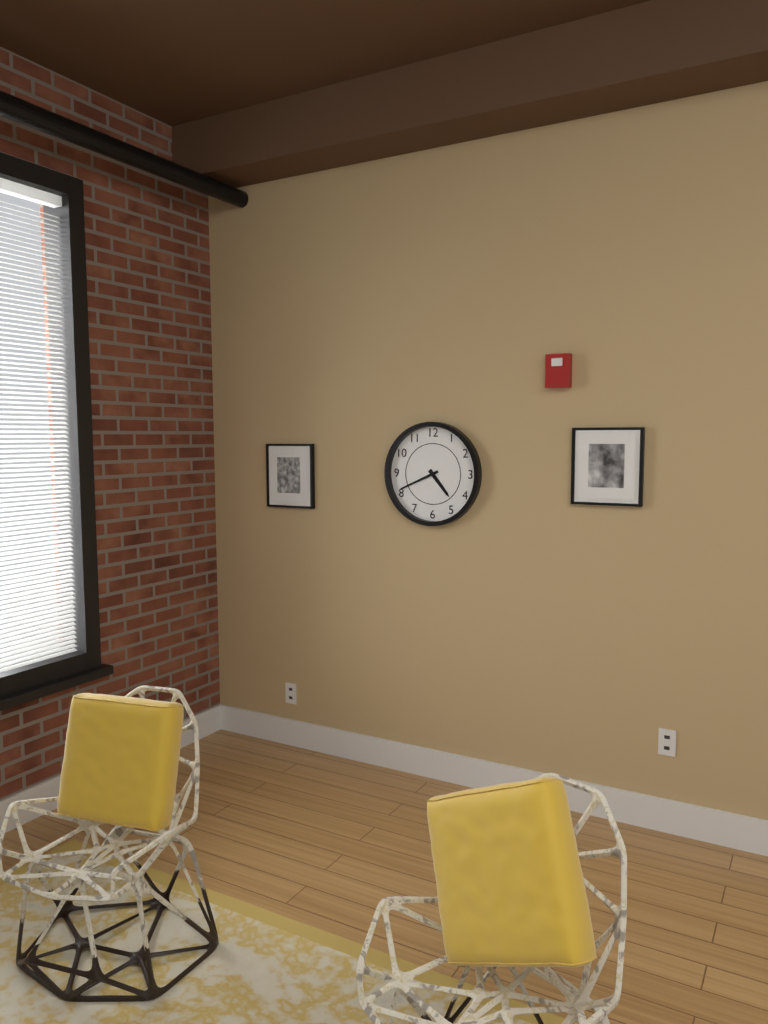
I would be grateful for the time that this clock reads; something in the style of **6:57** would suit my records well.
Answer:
**4:41**
